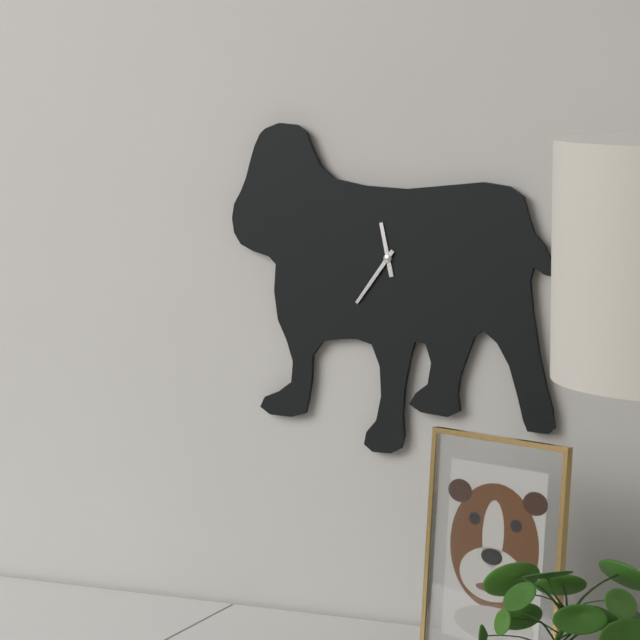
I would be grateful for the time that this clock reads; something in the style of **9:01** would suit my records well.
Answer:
**11:36**
